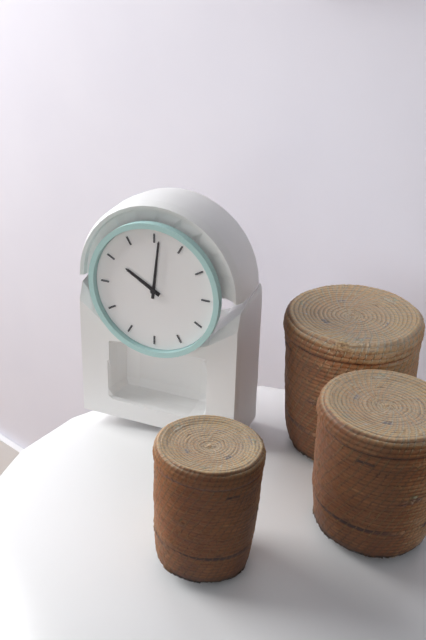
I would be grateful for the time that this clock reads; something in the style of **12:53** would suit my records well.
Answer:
**10:01**
